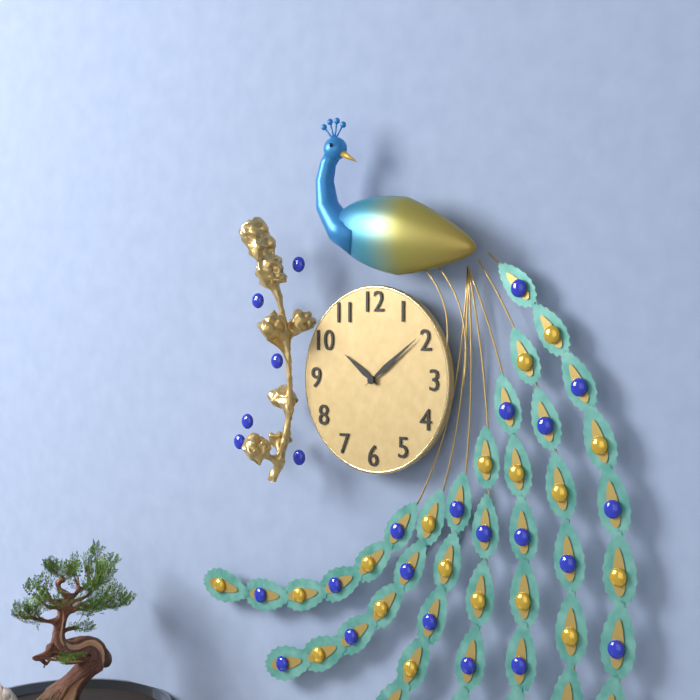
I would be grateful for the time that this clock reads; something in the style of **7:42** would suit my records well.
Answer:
**10:09**
